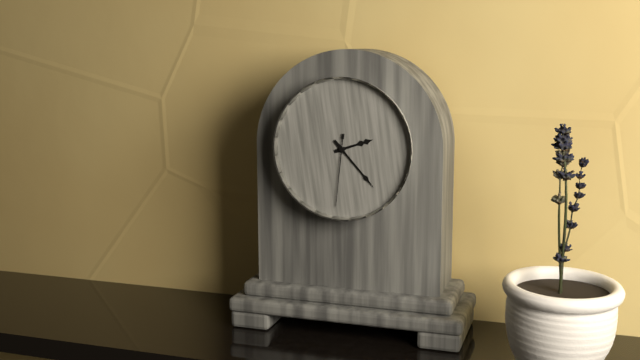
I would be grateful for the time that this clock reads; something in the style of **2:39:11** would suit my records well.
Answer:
**2:23:31**
